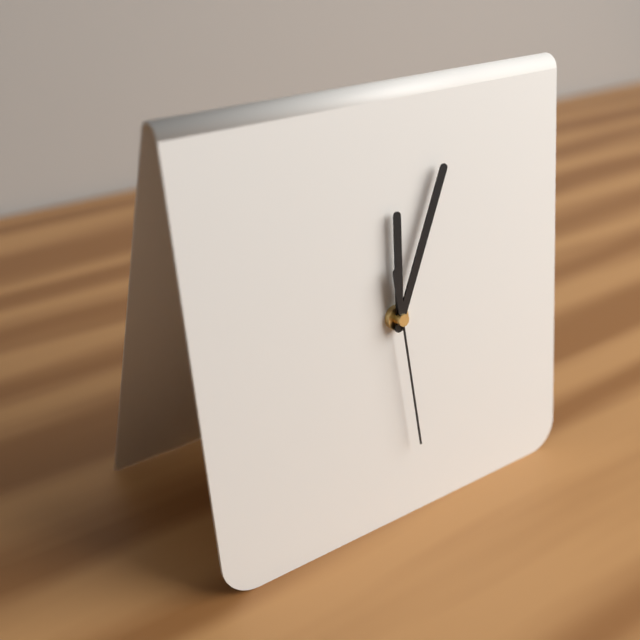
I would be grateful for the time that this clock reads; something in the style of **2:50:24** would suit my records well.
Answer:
**12:04:29**
